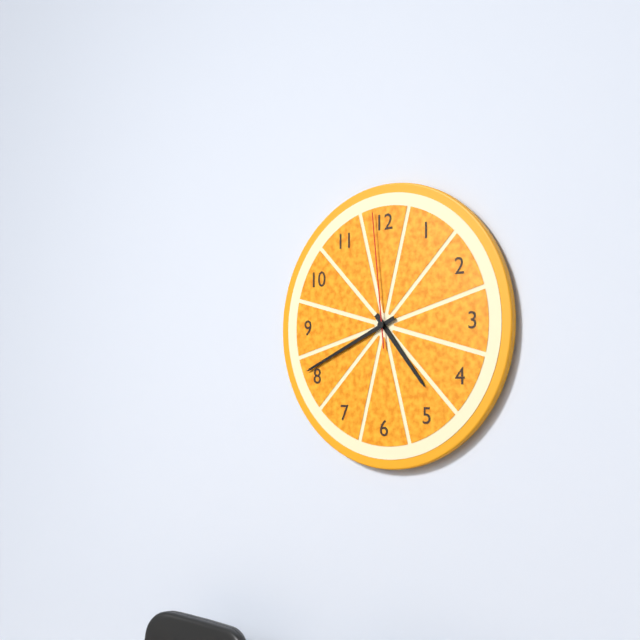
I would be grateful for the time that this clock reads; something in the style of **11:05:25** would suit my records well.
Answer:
**4:41:59**
